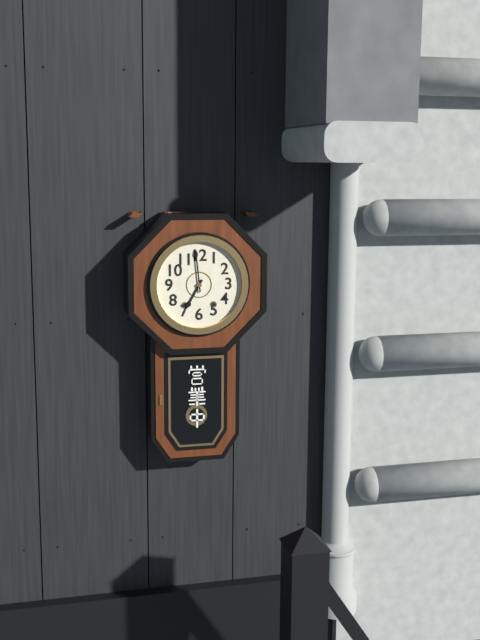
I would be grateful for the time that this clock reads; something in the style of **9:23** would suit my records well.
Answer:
**6:59**
